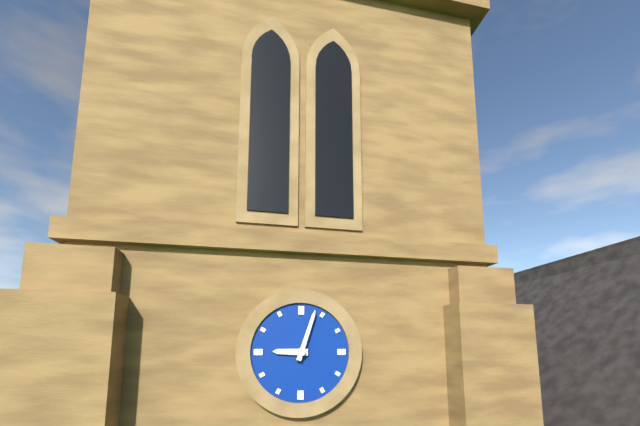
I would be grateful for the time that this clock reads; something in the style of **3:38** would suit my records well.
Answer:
**9:03**
